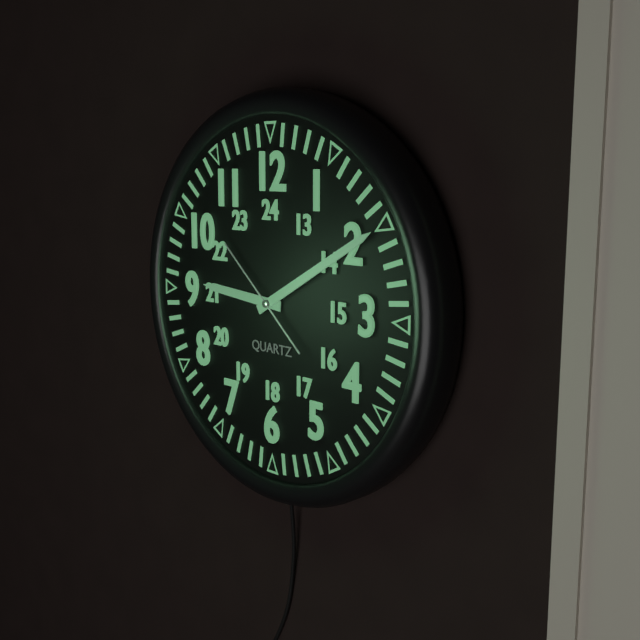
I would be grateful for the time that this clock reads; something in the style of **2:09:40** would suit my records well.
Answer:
**9:10:52**
